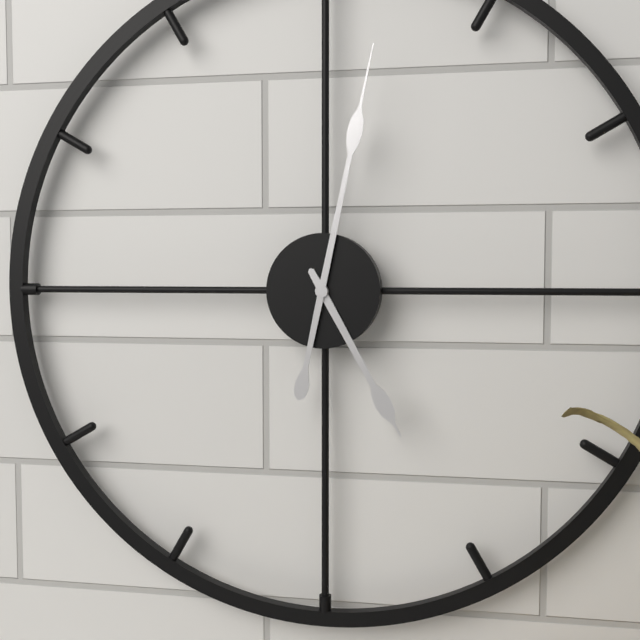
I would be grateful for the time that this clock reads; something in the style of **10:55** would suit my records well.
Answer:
**5:02**
